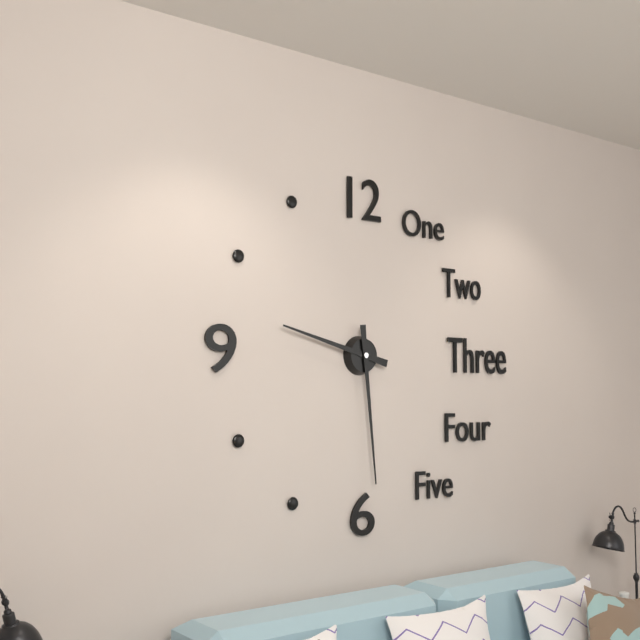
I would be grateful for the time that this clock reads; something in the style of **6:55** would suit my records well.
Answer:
**9:29**
